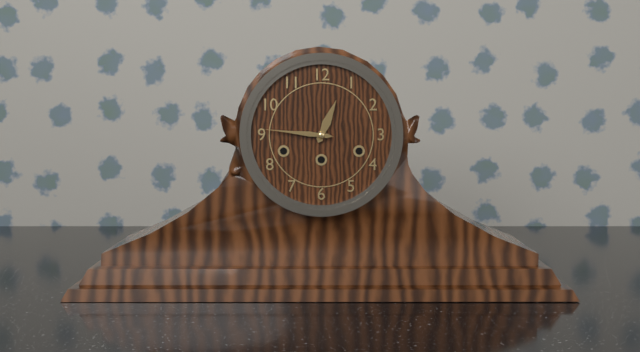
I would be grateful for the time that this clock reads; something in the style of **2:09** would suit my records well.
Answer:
**12:46**
